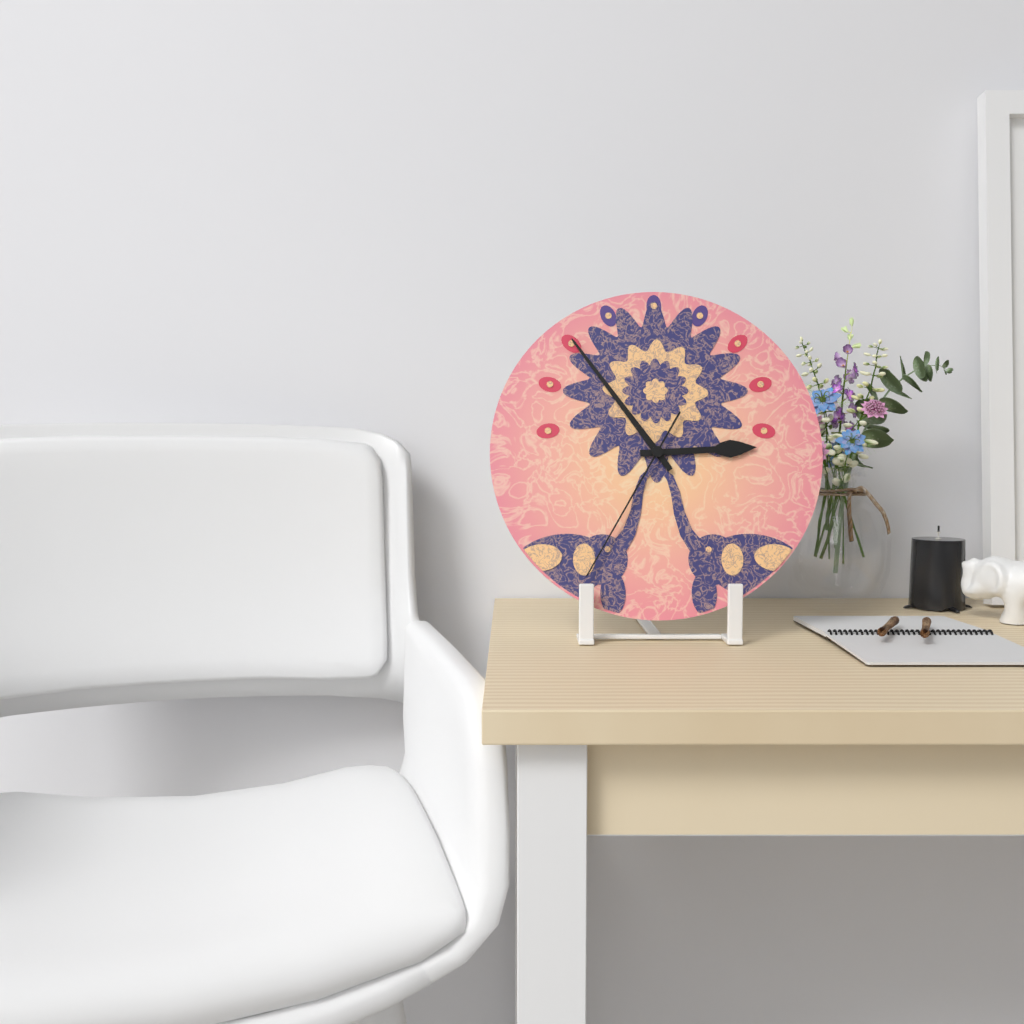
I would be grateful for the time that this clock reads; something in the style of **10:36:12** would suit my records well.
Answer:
**2:54:35**
